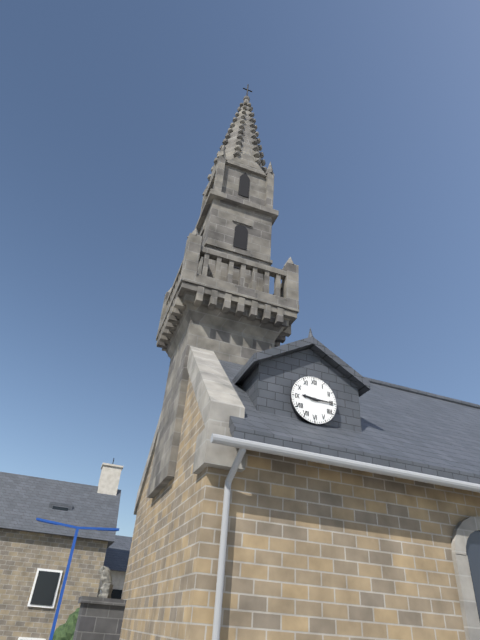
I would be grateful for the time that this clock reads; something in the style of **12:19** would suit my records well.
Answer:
**9:15**
